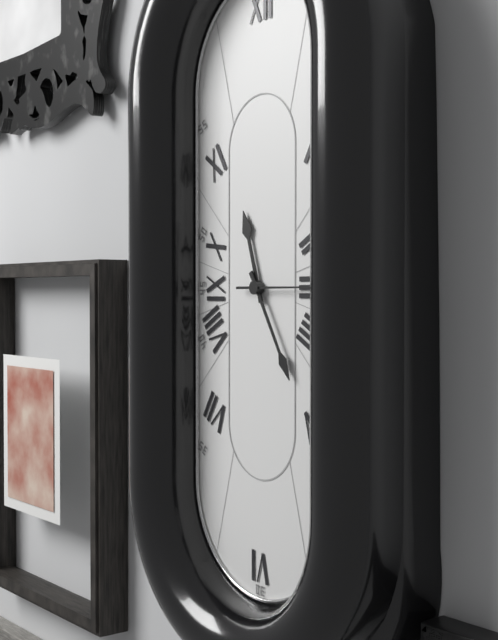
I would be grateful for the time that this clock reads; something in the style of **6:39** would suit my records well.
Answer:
**11:25**
